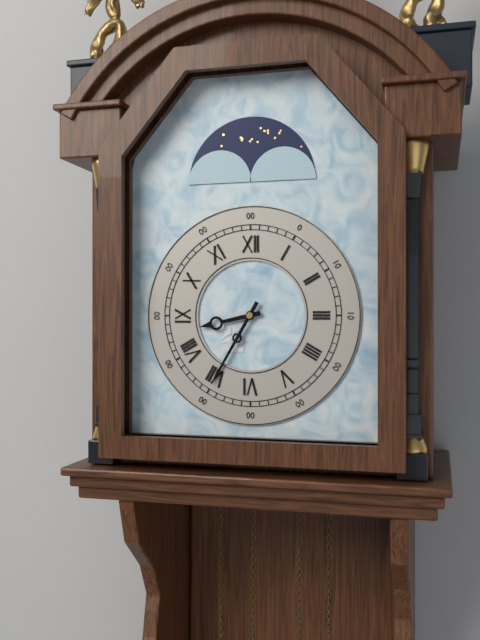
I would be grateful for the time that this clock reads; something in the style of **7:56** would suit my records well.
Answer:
**8:35**
